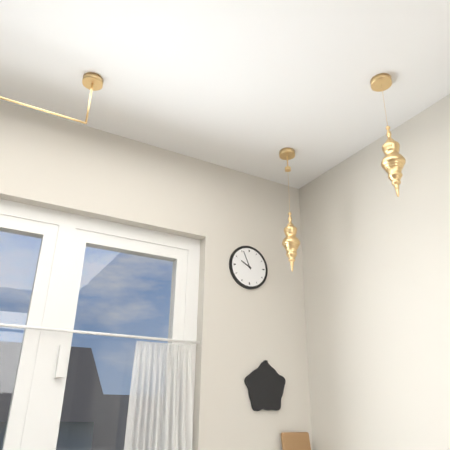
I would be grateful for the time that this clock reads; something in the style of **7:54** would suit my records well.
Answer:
**9:56**
